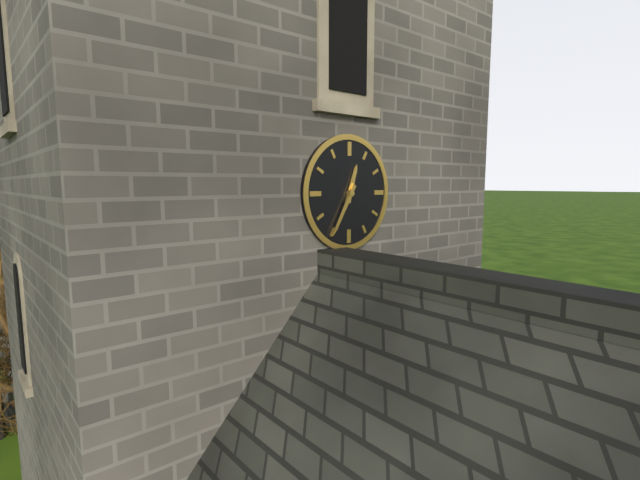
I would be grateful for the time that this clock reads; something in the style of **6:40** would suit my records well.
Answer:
**12:35**
